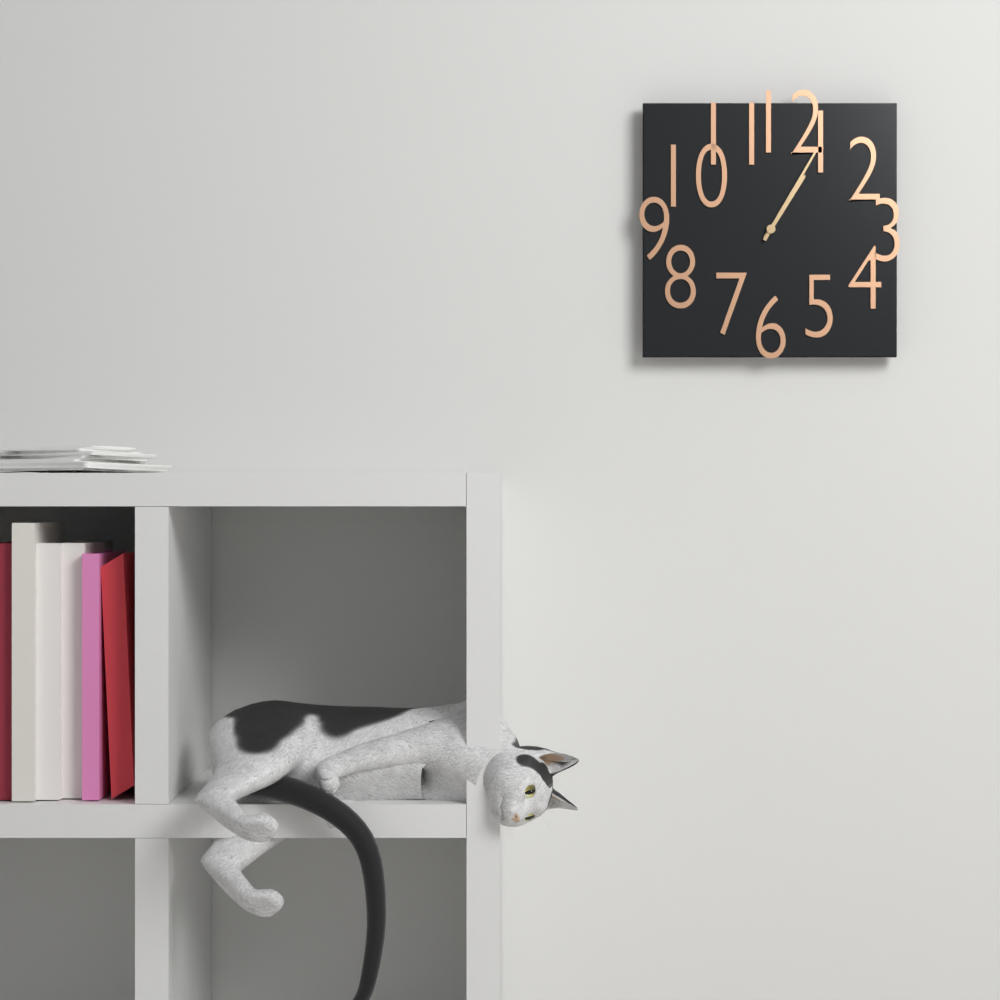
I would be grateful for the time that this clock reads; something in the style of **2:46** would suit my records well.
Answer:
**1:05**
